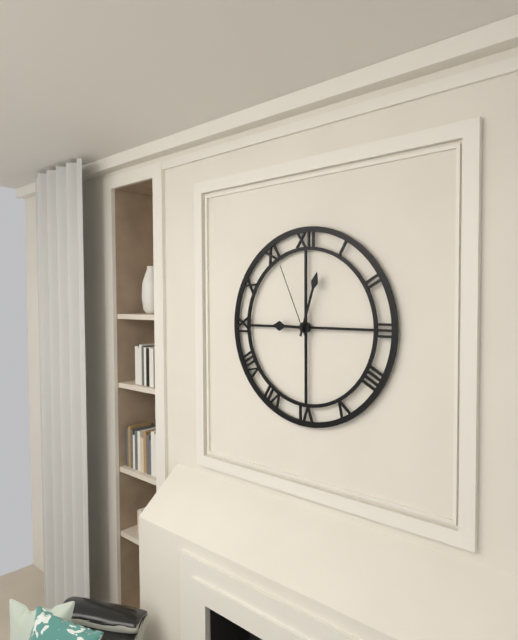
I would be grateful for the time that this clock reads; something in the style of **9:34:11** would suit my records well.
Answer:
**9:03:56**
